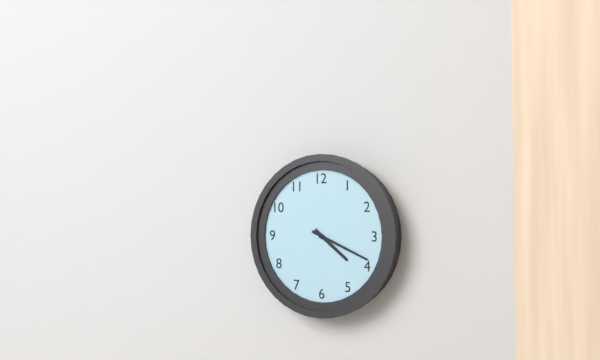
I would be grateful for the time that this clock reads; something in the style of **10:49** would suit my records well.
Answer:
**4:19**
